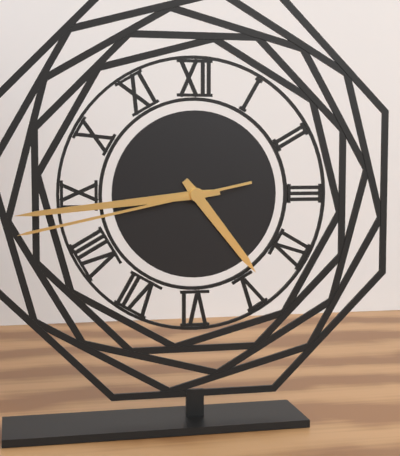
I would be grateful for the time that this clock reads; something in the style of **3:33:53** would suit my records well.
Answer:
**4:44:43**
